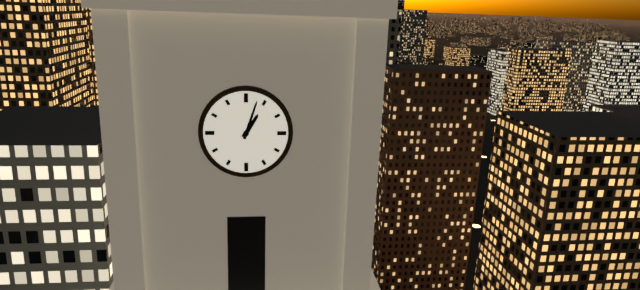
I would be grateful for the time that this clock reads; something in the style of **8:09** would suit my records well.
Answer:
**1:03**
